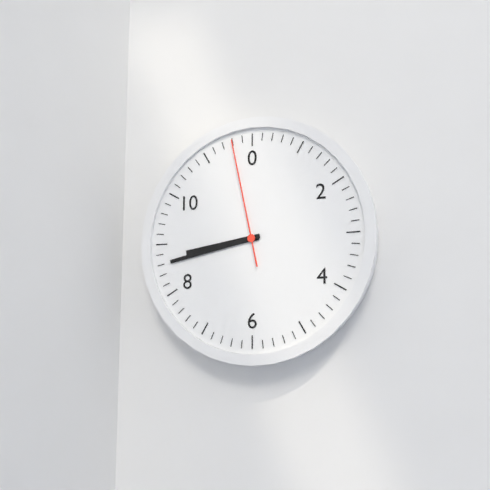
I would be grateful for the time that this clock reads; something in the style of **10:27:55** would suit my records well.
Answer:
**8:43:58**
